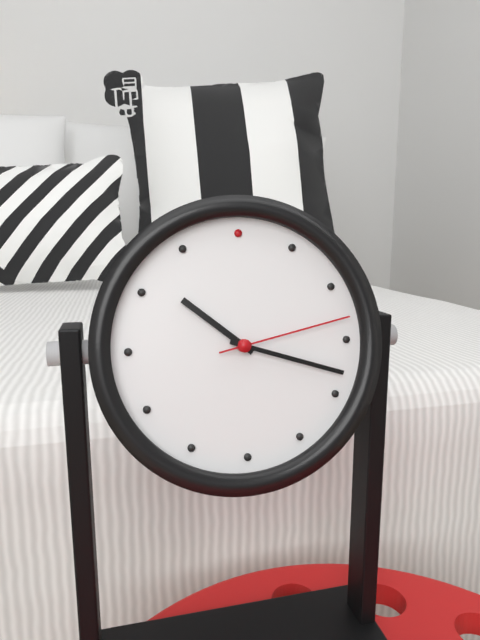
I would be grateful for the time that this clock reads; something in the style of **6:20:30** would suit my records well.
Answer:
**10:18:13**
